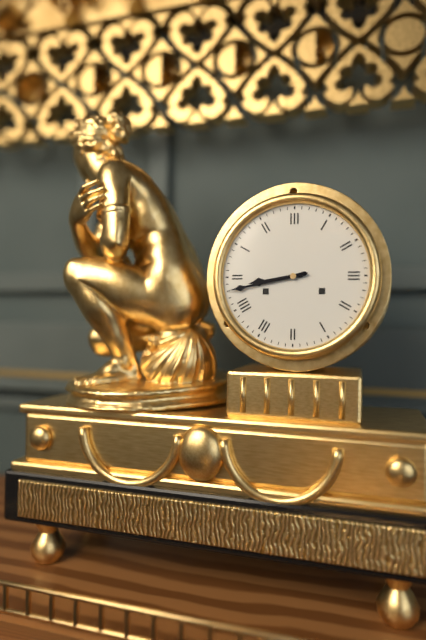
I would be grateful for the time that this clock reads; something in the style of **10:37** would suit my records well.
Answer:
**8:43**
